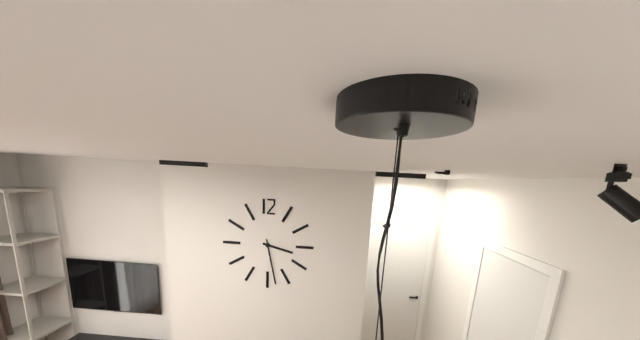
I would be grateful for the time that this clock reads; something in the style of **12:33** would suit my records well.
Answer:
**3:28**
